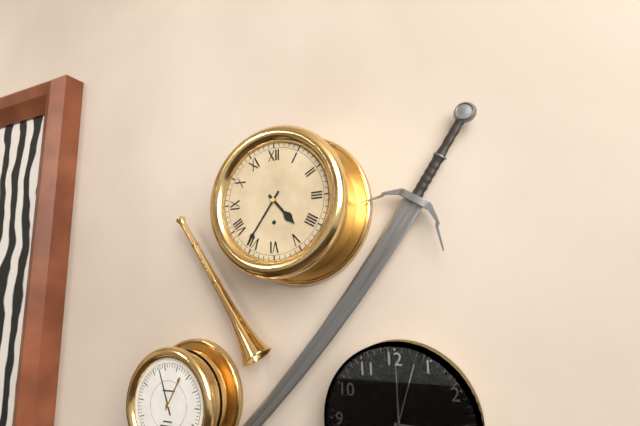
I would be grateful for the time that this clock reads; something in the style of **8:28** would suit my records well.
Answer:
**4:36**
